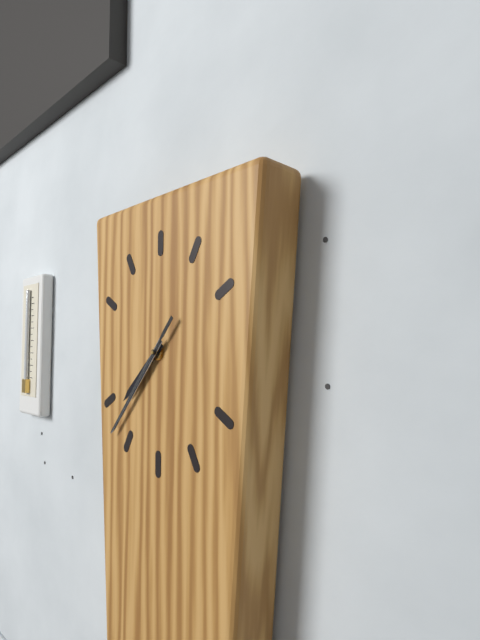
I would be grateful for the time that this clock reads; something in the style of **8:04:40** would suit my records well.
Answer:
**7:37:37**
